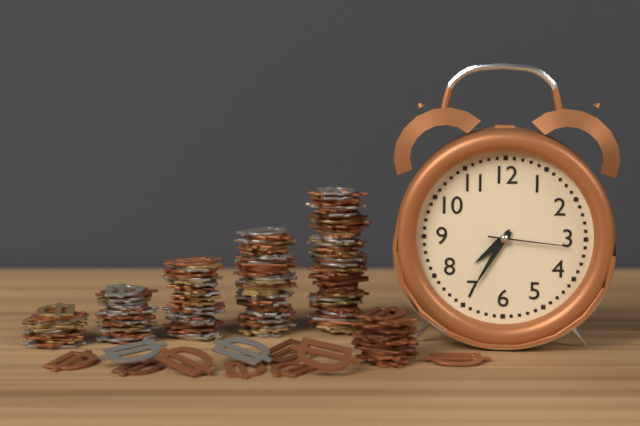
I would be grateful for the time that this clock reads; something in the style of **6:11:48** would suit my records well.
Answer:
**7:35:16**
